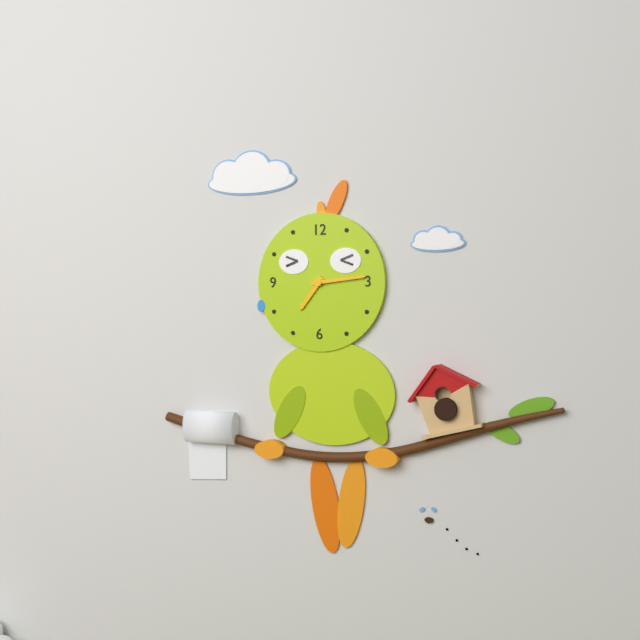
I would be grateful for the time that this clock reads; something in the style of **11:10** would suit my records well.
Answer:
**7:14**
